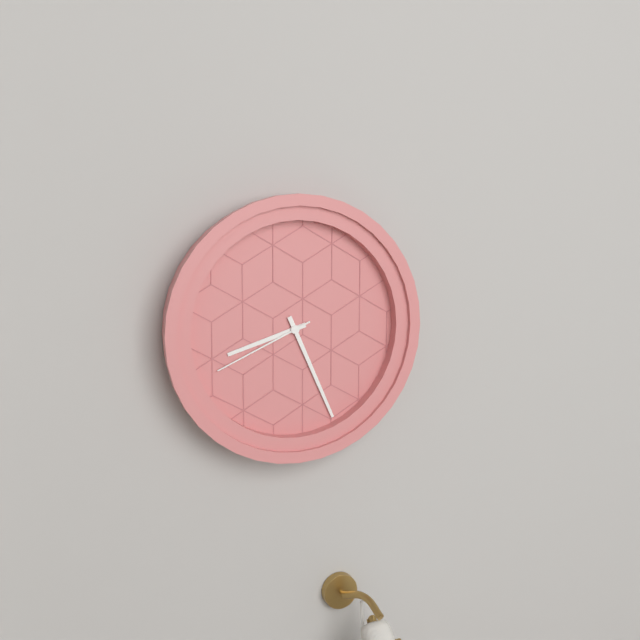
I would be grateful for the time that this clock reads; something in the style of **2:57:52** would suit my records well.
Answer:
**8:26:41**
